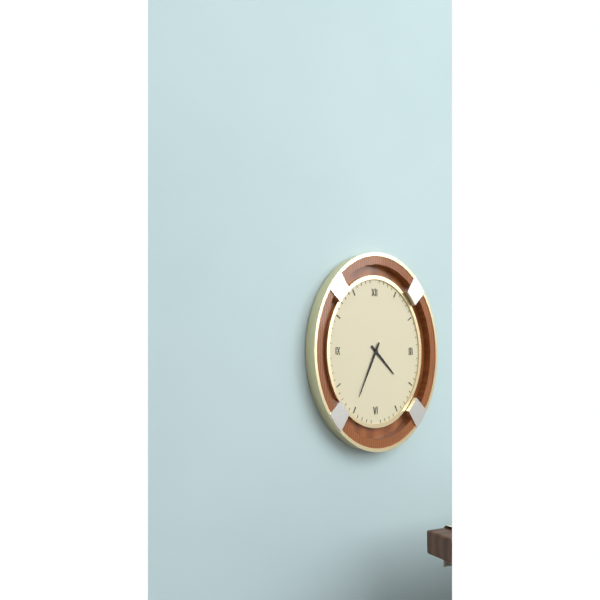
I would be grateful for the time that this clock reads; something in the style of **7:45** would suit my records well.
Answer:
**4:34**
